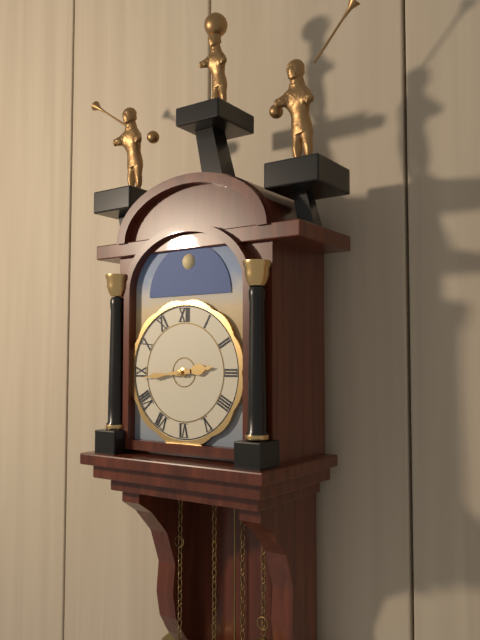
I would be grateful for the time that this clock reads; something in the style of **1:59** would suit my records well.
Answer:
**2:44**
